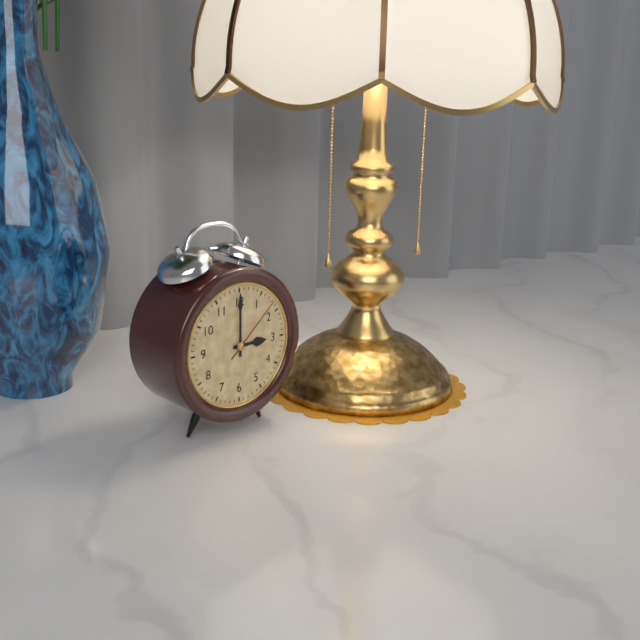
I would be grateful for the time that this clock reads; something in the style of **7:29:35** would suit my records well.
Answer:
**3:00:08**
